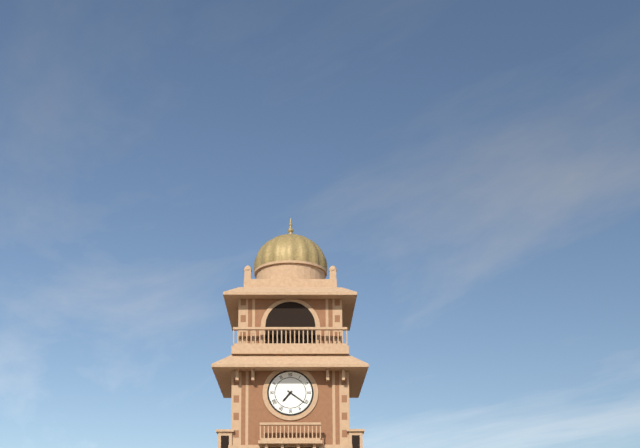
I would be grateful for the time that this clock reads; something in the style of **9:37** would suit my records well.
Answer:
**7:21**
